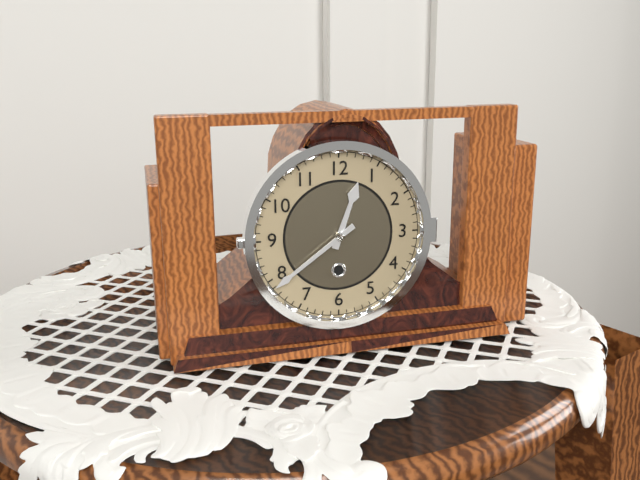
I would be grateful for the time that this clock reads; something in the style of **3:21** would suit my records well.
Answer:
**12:39**
